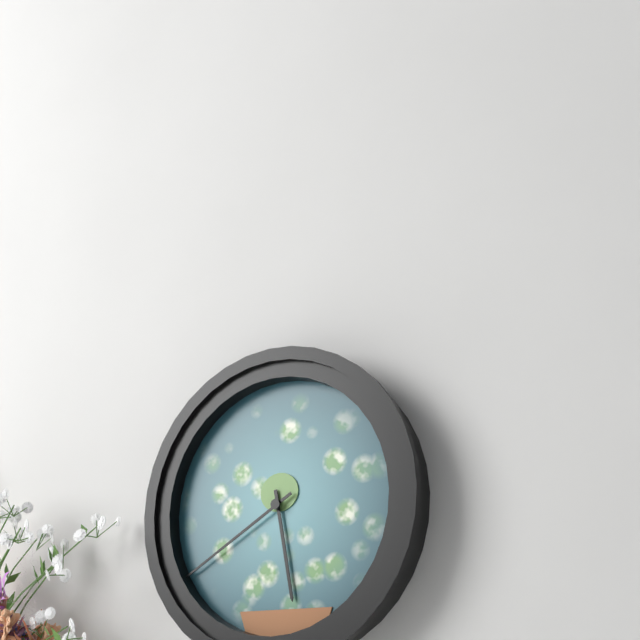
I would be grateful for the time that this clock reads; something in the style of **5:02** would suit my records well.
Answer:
**5:40**
